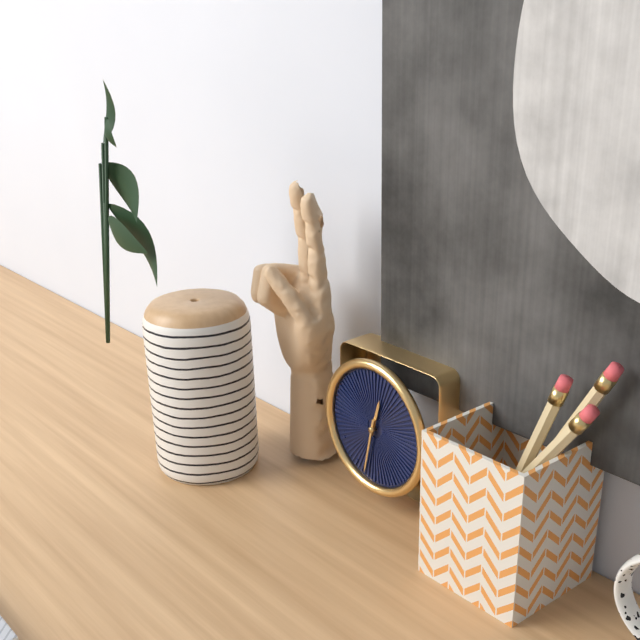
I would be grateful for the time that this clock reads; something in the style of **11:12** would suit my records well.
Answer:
**12:32**
